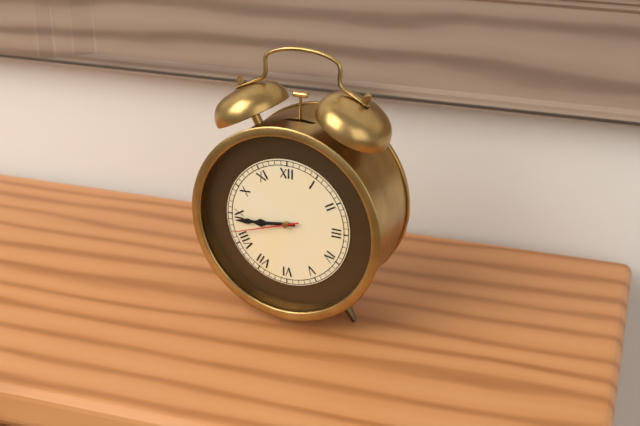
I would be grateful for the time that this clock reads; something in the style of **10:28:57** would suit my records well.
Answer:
**8:44:42**
